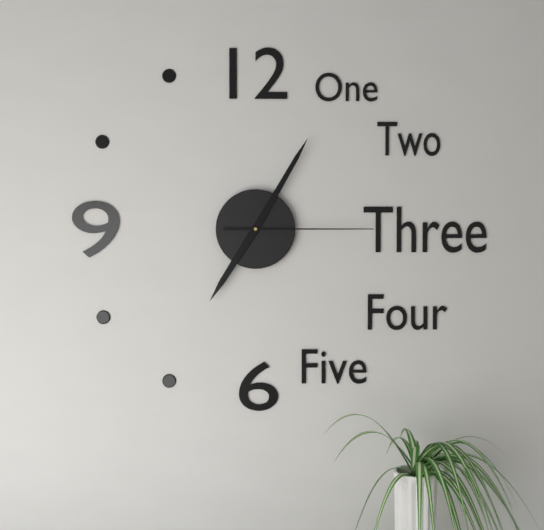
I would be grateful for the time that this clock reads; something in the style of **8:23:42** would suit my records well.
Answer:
**7:05:15**
